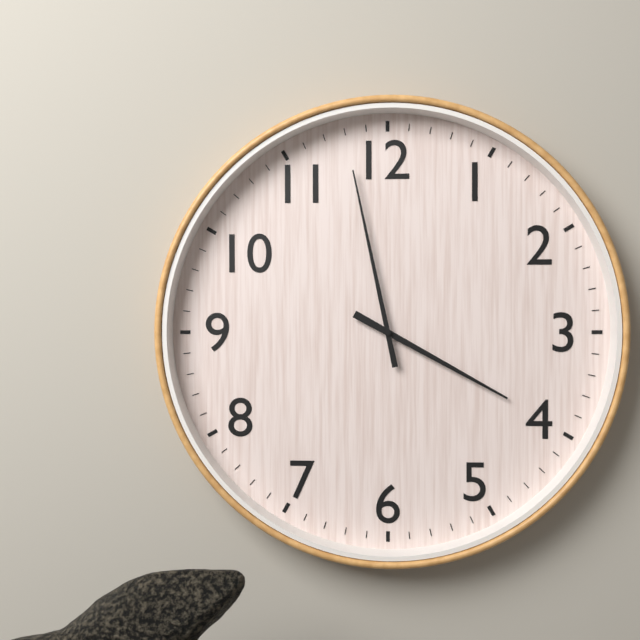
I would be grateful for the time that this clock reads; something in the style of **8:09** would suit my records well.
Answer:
**3:58**
